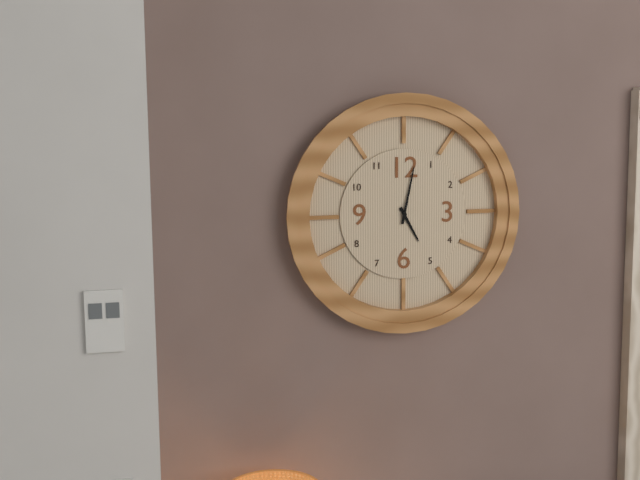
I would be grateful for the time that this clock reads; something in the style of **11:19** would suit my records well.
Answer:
**5:02**
